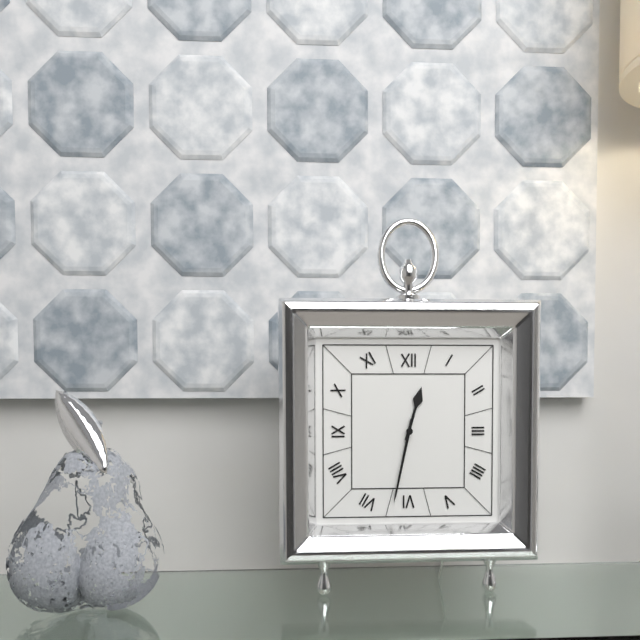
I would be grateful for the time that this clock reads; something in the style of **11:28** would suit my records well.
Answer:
**12:32**
